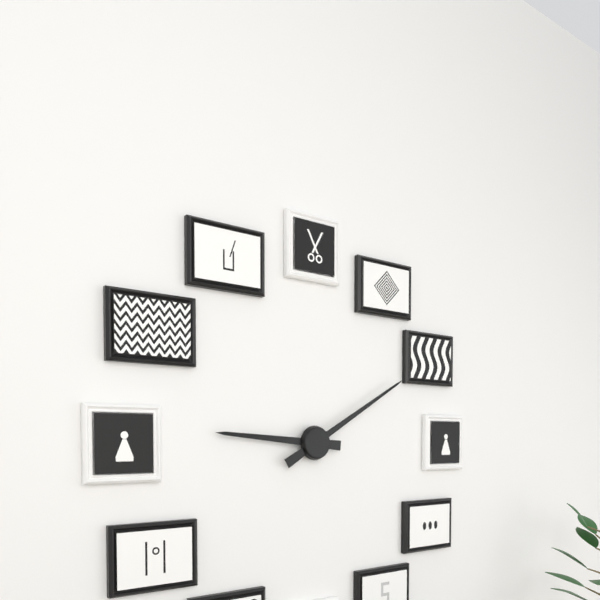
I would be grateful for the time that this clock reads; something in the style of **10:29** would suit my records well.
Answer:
**9:10**
